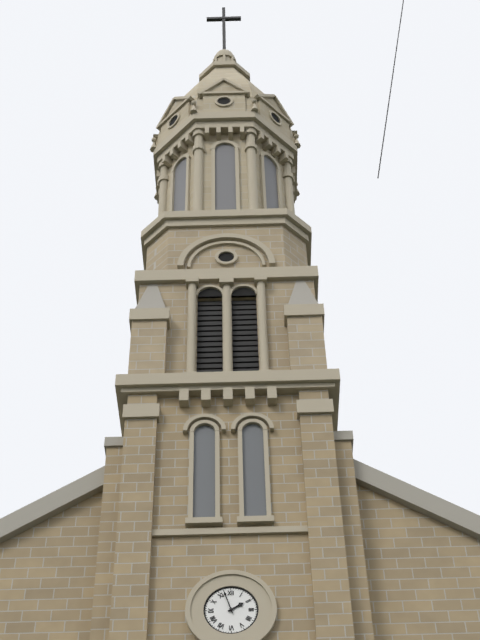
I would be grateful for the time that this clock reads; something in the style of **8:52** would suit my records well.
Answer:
**1:57**
